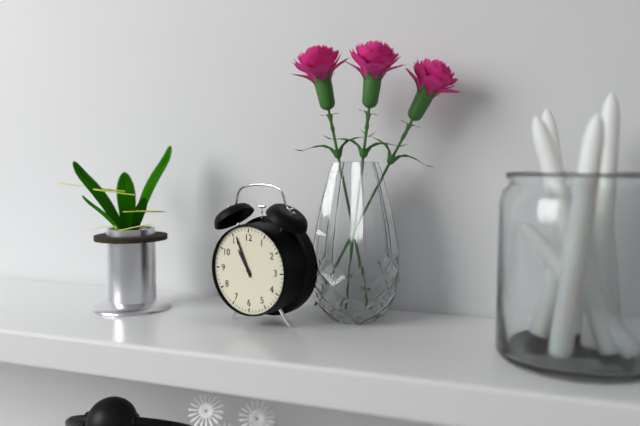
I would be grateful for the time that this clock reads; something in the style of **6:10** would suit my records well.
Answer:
**10:56**
